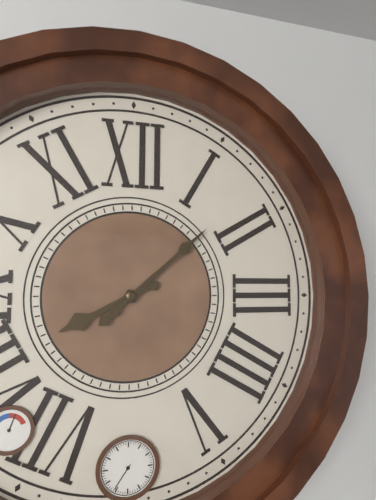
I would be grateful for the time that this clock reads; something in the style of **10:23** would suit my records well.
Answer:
**8:08**
